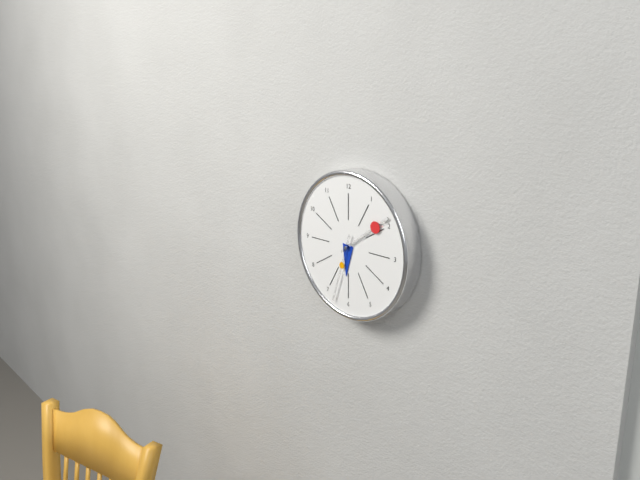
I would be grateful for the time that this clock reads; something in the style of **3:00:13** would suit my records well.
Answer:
**6:09:33**
